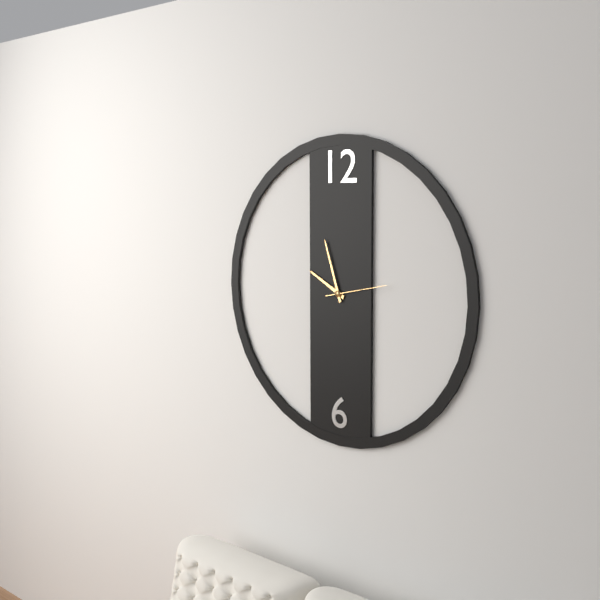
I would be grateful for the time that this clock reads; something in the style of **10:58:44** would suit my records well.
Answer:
**9:57:13**
